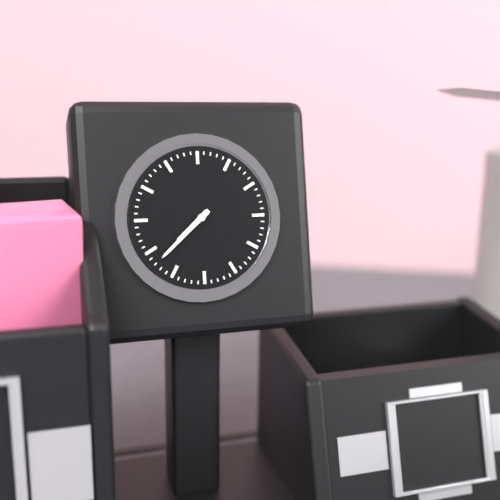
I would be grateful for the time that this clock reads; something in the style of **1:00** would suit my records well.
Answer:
**7:38**
